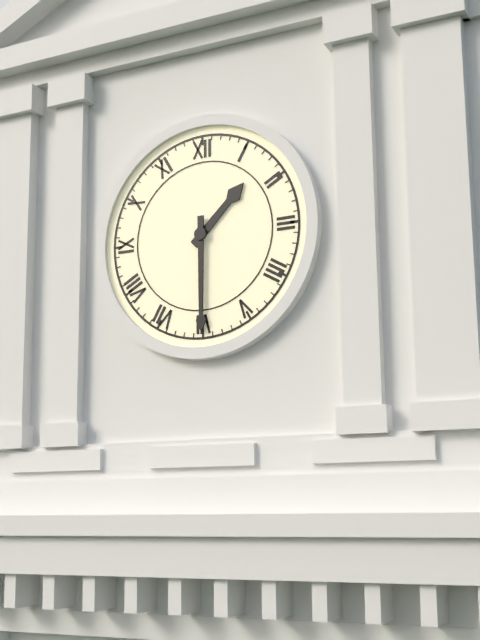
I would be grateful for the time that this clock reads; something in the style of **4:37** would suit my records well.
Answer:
**1:30**
